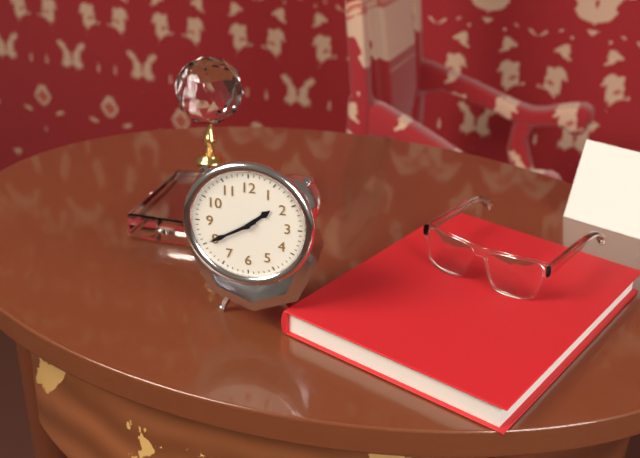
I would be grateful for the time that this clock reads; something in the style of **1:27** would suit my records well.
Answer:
**1:40**
